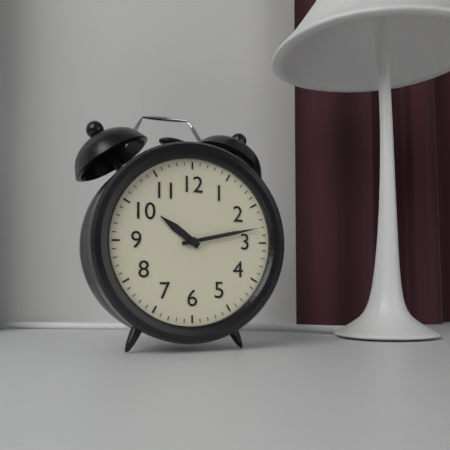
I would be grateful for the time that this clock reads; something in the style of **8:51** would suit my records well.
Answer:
**10:13**
